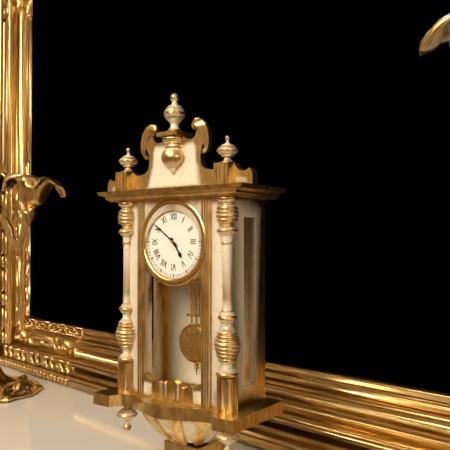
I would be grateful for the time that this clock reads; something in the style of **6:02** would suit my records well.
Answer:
**4:51**
